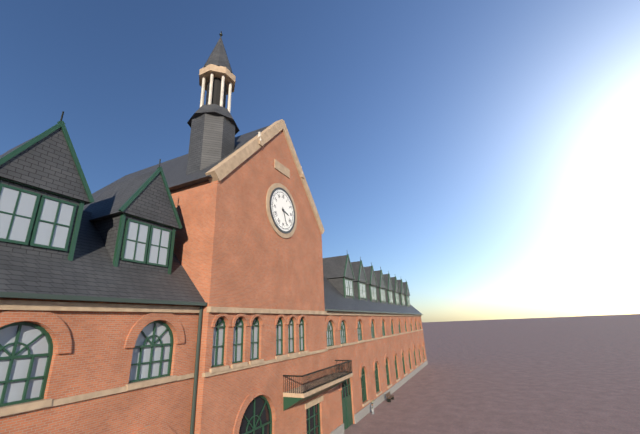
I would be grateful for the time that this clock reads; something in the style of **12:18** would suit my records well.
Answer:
**3:26**
